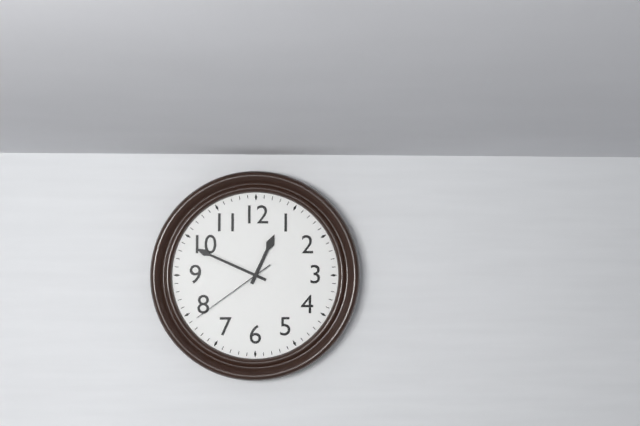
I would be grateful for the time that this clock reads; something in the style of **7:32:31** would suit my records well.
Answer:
**12:49:39**
